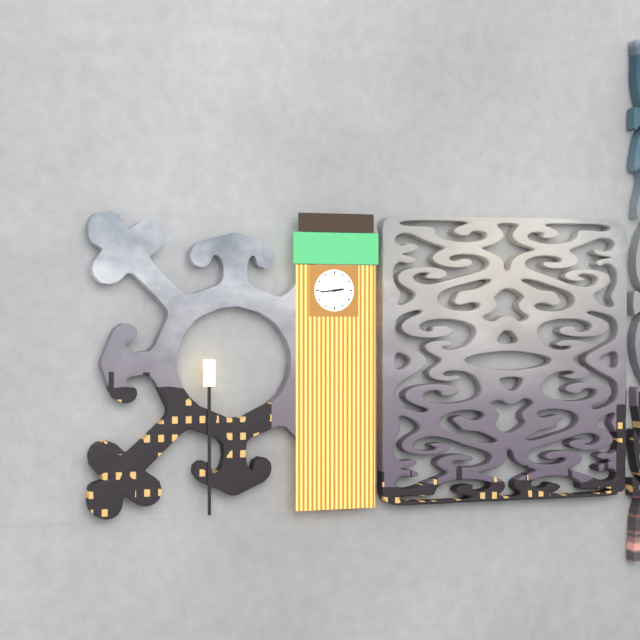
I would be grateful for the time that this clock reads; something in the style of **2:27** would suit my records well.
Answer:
**2:44**
